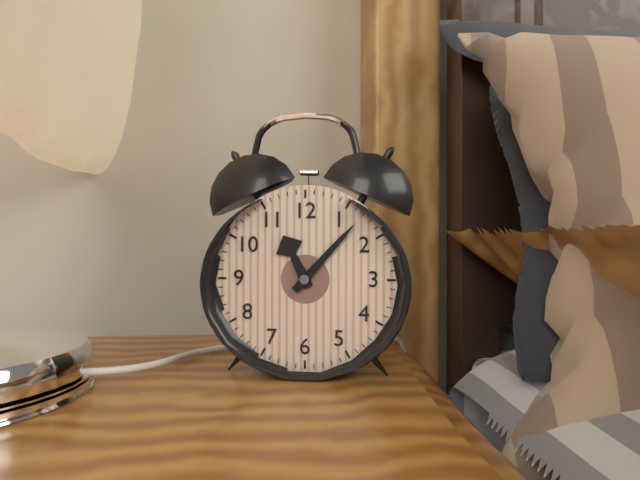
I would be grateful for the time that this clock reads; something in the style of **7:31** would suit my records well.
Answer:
**11:07**
